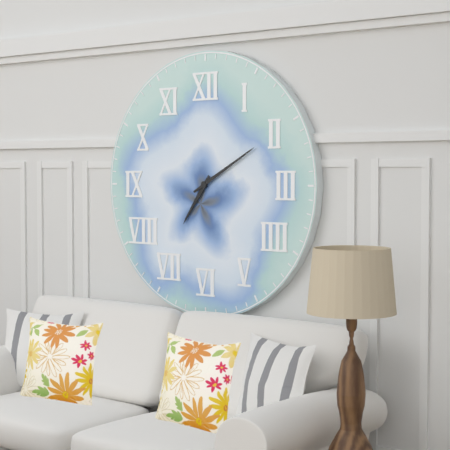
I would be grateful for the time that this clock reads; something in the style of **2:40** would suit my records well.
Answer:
**7:10**
